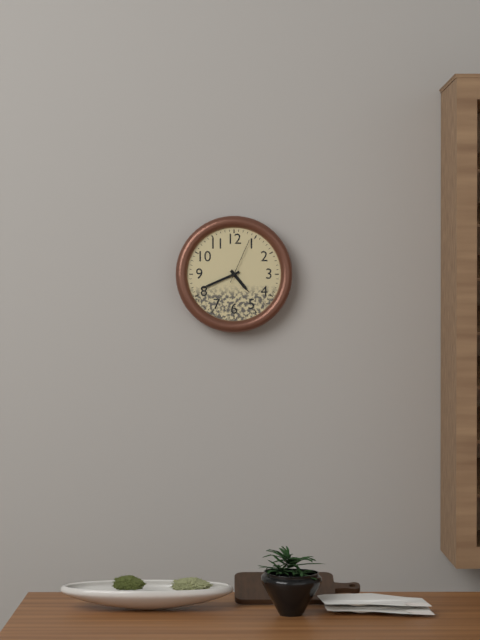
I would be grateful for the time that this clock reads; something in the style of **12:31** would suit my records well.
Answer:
**4:41**
